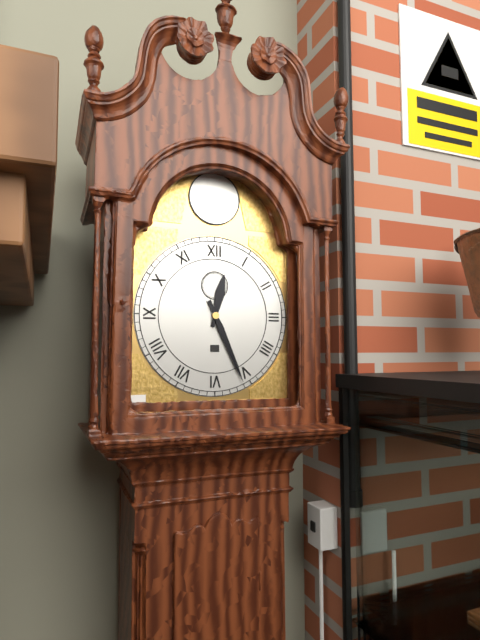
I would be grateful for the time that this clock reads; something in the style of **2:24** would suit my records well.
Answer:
**12:26**
